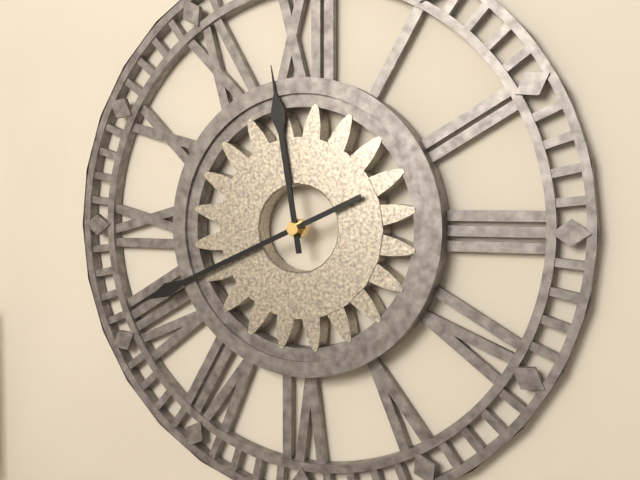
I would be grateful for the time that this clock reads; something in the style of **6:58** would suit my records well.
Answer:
**11:41**
